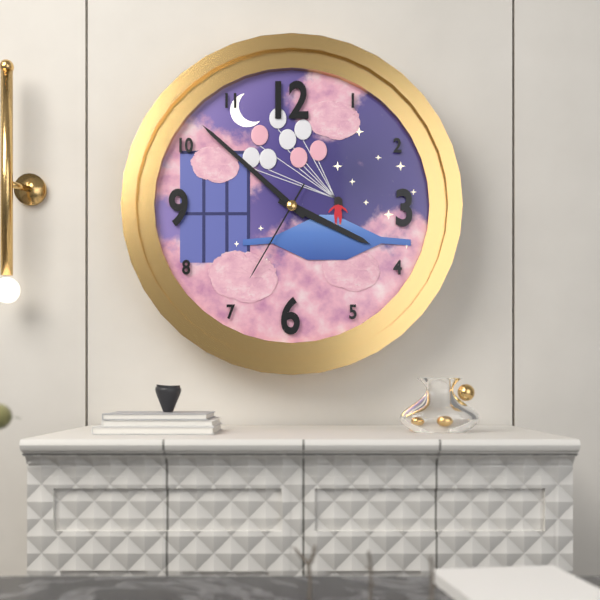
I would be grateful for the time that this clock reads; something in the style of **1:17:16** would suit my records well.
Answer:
**3:52:35**
